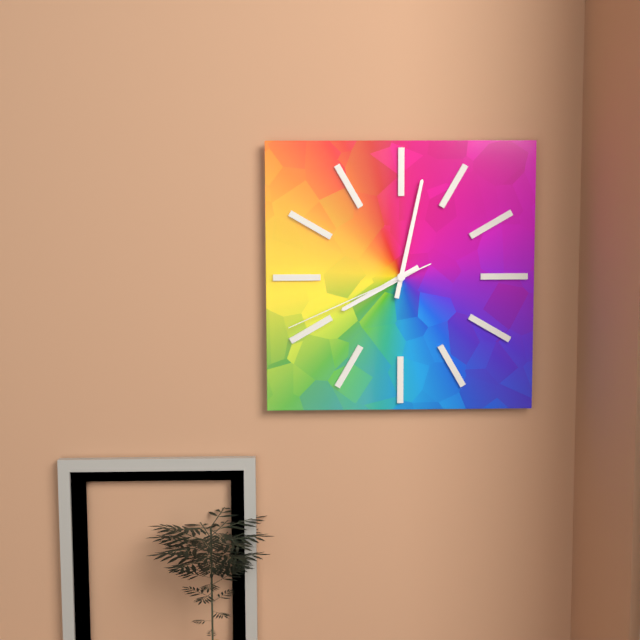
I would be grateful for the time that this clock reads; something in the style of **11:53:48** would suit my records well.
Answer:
**8:02:41**
